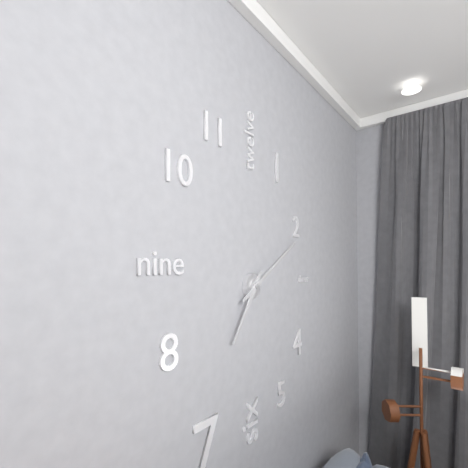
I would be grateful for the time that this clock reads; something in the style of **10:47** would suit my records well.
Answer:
**7:10**
